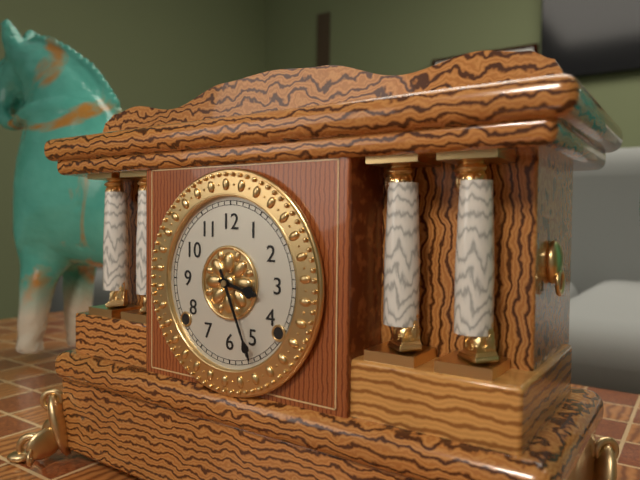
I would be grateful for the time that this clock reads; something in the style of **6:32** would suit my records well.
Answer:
**3:26**
